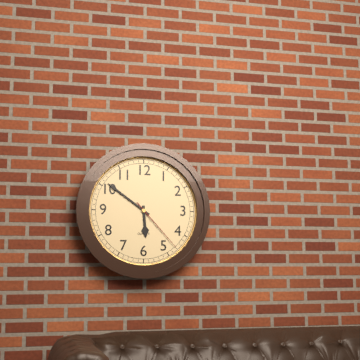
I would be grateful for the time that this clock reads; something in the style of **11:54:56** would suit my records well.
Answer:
**5:51:23**
